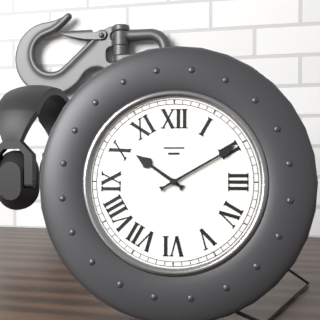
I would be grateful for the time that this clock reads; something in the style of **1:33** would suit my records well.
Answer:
**10:10**
